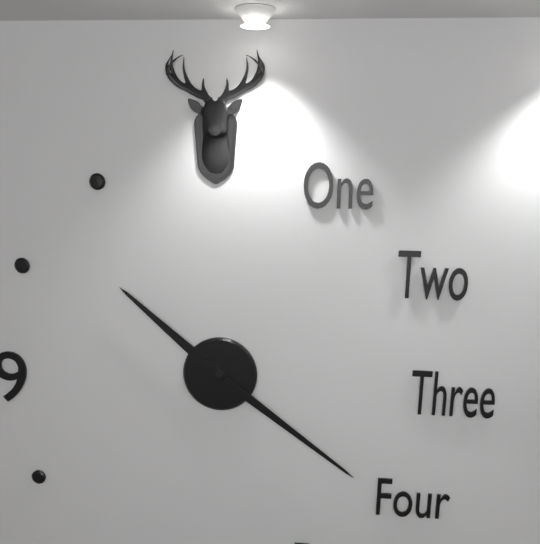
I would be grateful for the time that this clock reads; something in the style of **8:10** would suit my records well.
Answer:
**10:21**
